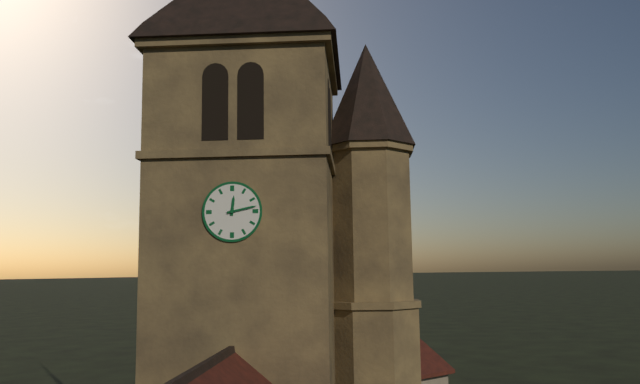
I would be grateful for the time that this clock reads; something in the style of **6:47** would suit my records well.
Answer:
**12:13**
